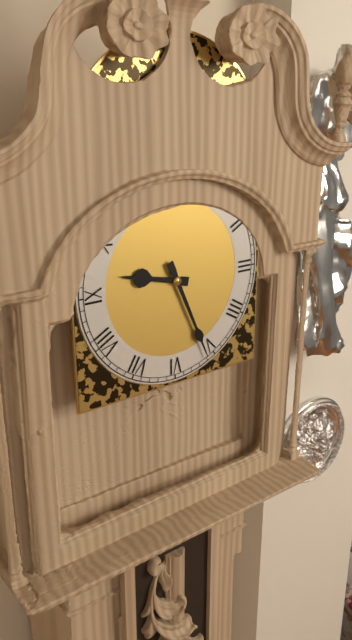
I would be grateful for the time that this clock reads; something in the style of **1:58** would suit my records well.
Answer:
**9:26**
